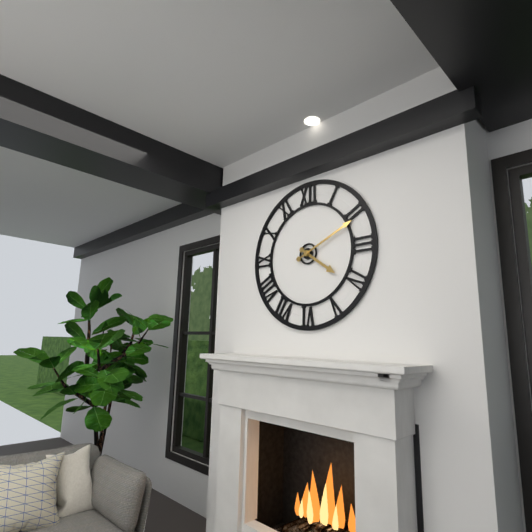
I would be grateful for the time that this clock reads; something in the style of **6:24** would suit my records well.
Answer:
**4:11**
